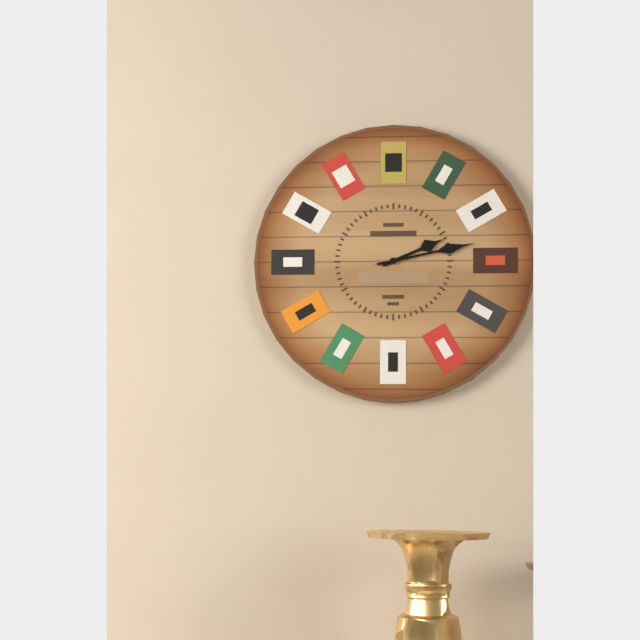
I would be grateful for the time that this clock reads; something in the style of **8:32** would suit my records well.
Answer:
**2:13**
